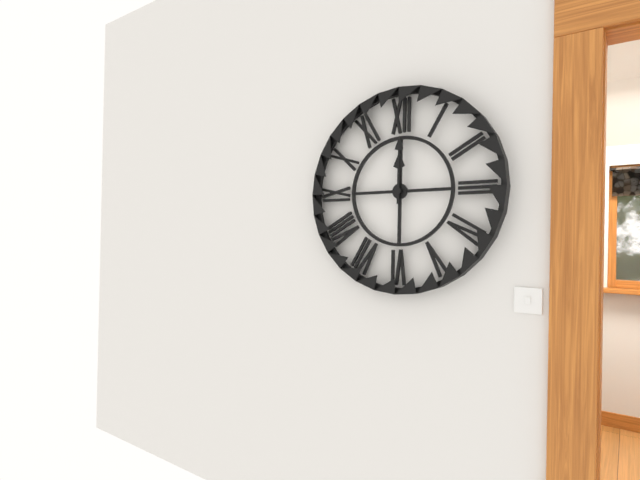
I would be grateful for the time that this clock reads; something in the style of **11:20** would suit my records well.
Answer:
**12:00**
